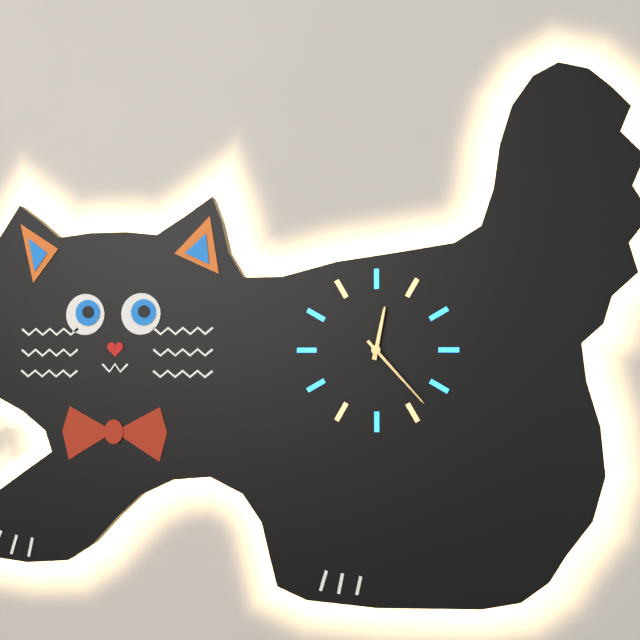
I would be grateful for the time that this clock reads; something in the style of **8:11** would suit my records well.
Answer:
**12:23**
